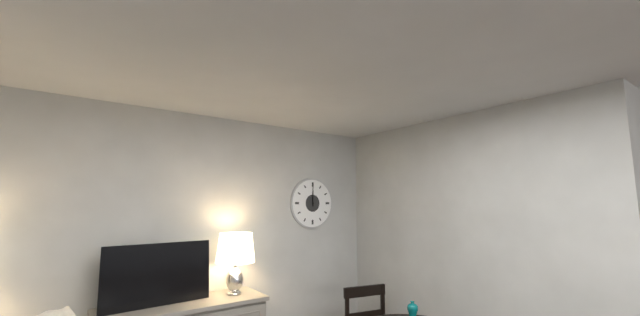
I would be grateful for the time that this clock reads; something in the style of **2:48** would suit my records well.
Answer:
**12:00**
